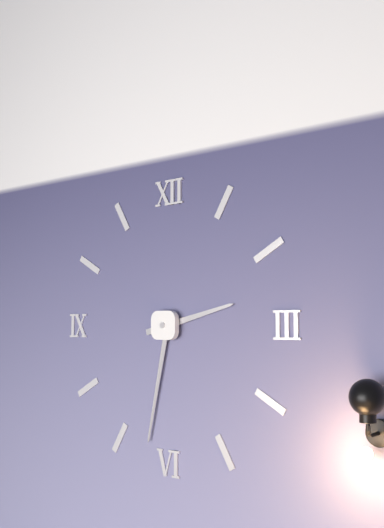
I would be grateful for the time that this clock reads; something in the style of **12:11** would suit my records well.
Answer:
**2:32**
